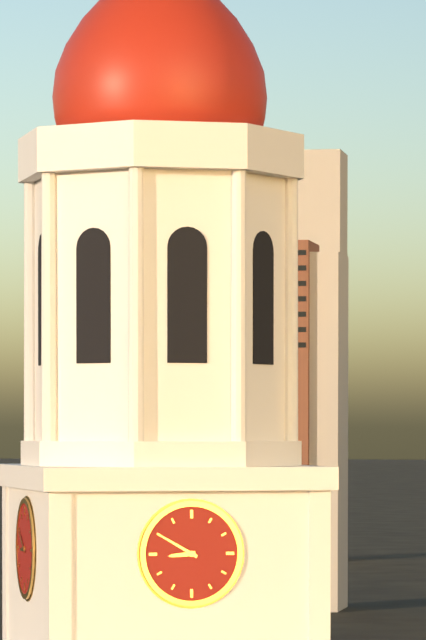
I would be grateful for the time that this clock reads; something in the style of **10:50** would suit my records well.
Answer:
**8:50**
